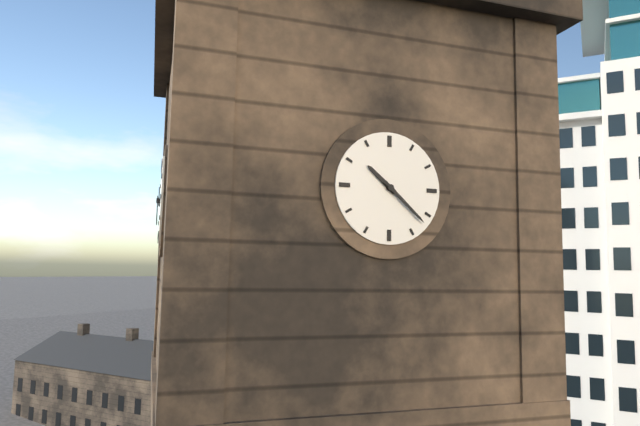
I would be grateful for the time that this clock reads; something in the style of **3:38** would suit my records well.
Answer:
**10:22**
